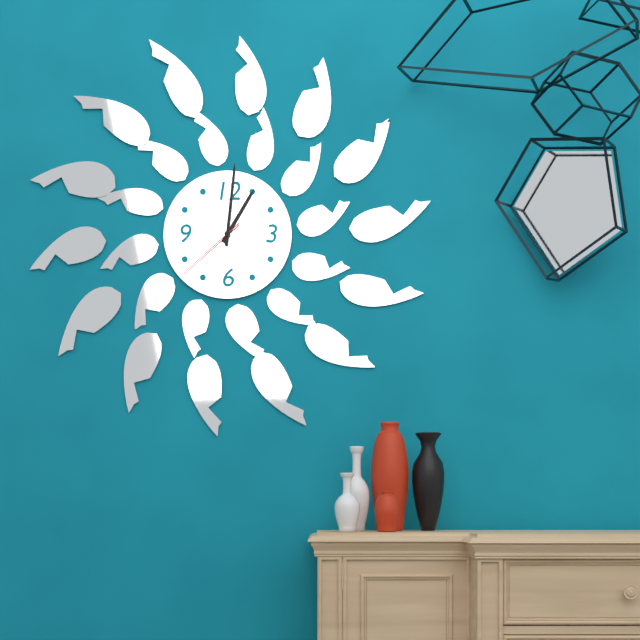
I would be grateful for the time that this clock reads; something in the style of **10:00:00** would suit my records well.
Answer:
**1:01:38**
